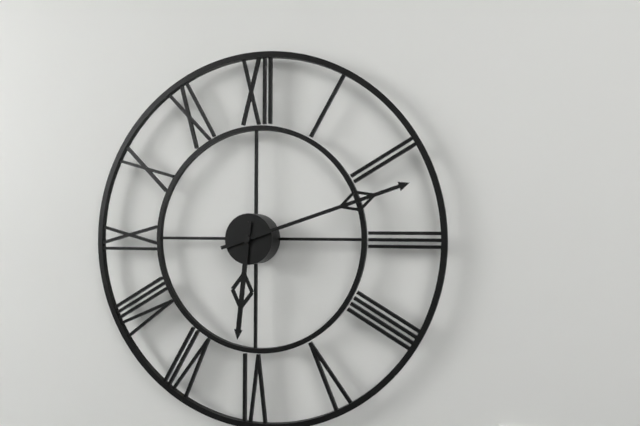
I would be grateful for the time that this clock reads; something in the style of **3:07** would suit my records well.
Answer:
**6:12**
